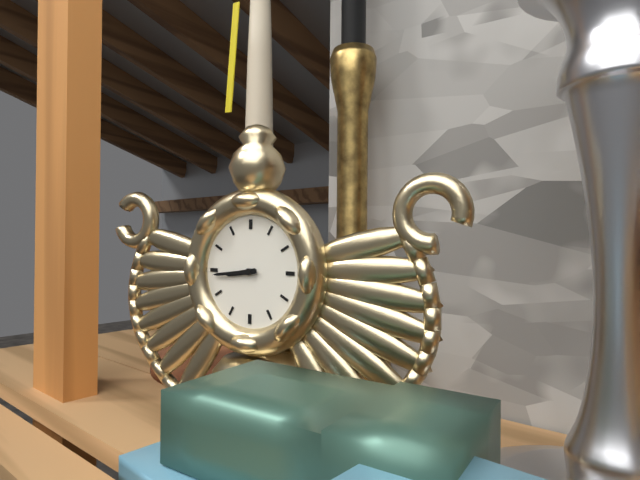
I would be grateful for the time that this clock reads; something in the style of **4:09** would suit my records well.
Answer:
**8:44**
